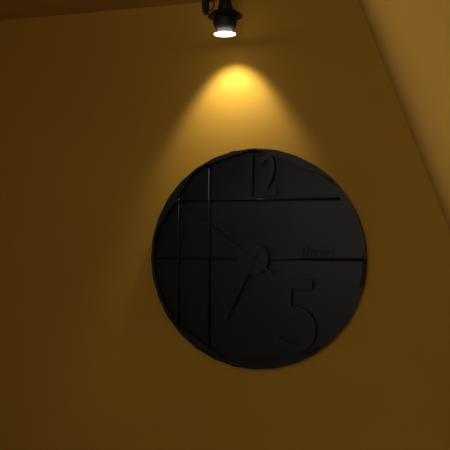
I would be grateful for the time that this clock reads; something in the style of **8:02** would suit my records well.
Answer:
**6:51**
